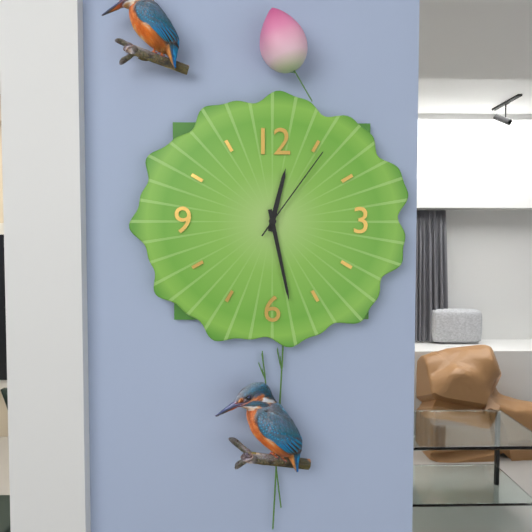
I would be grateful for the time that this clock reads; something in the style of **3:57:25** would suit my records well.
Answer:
**12:28:06**
